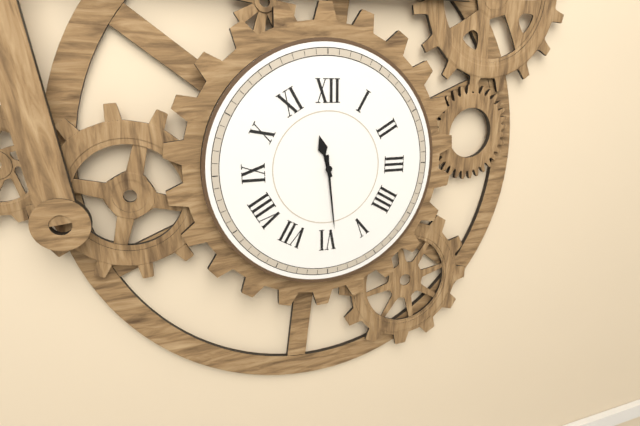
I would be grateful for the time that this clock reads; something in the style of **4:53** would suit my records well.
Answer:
**11:29**
